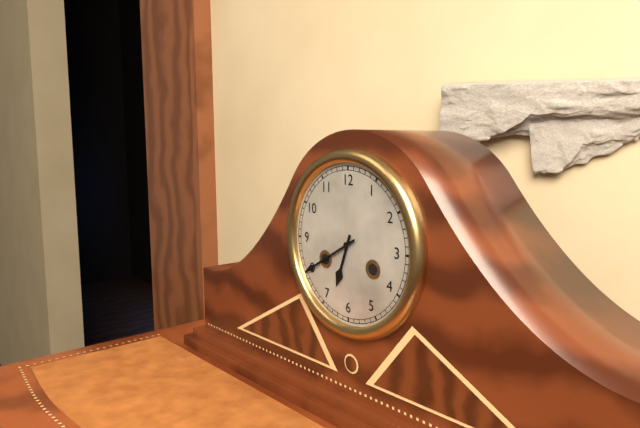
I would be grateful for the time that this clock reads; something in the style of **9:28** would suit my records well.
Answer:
**6:40**
